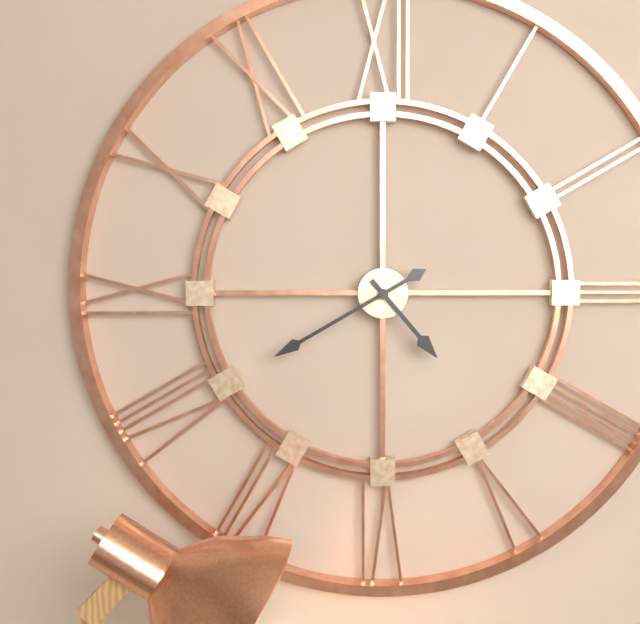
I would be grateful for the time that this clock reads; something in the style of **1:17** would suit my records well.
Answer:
**4:40**
